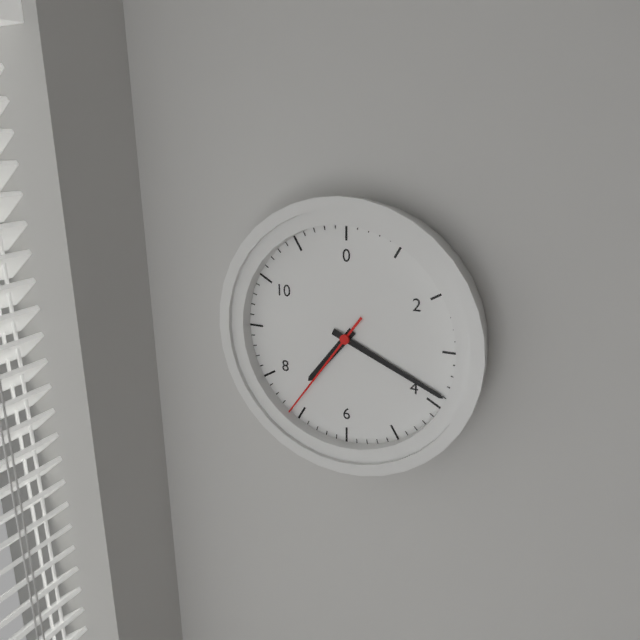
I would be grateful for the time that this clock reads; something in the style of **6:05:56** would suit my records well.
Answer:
**7:19:36**
